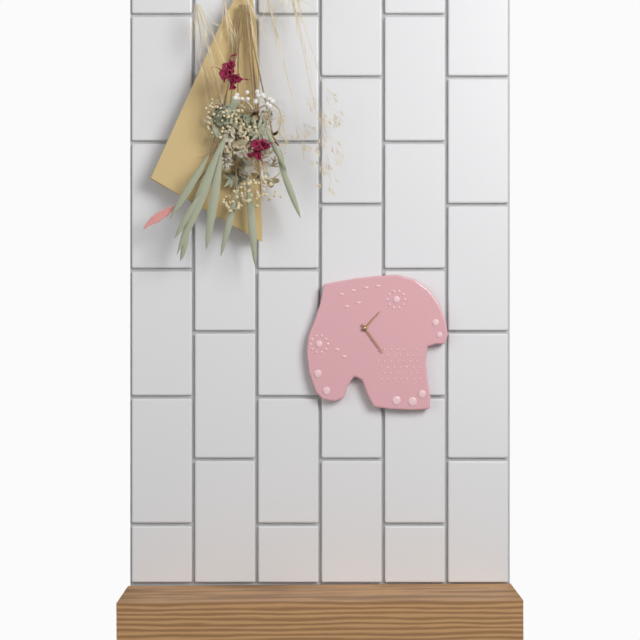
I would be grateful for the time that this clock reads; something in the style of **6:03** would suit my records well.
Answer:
**1:24**
